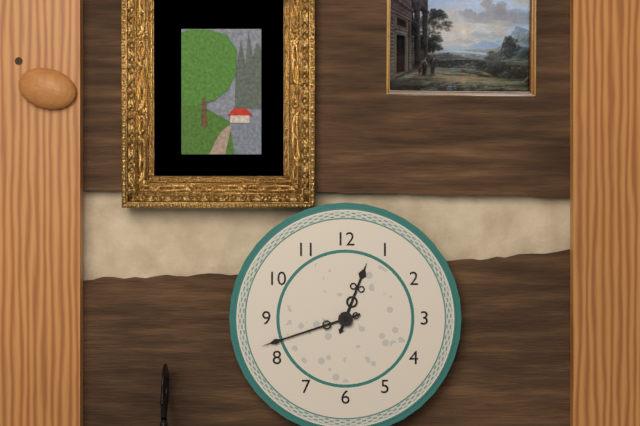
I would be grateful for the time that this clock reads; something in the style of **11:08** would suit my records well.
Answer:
**12:42**
